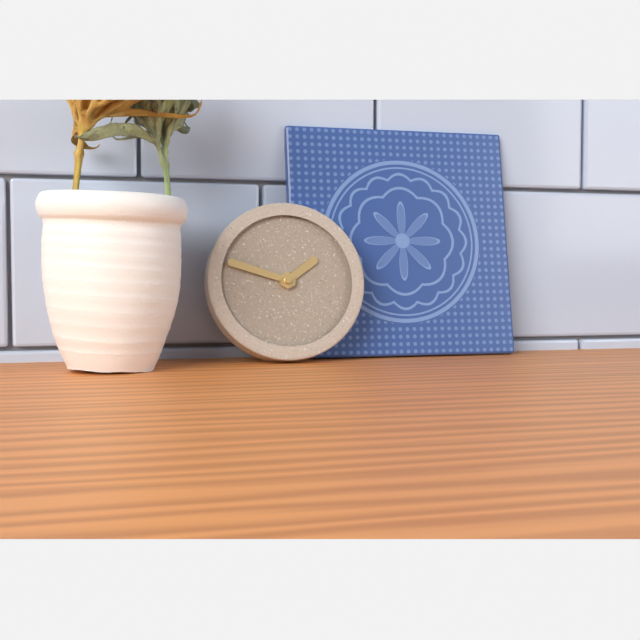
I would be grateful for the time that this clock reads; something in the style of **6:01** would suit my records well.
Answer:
**1:48**
